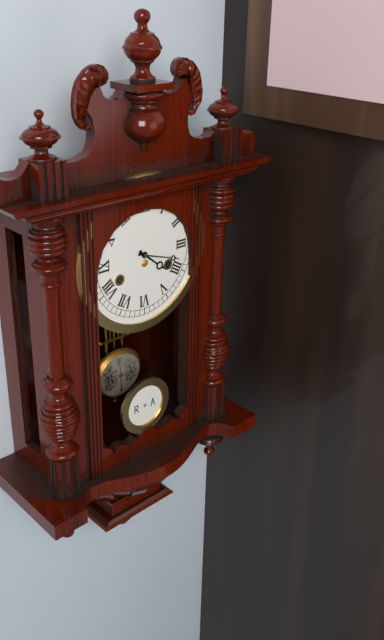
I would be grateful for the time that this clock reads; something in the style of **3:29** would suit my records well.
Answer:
**4:18**
